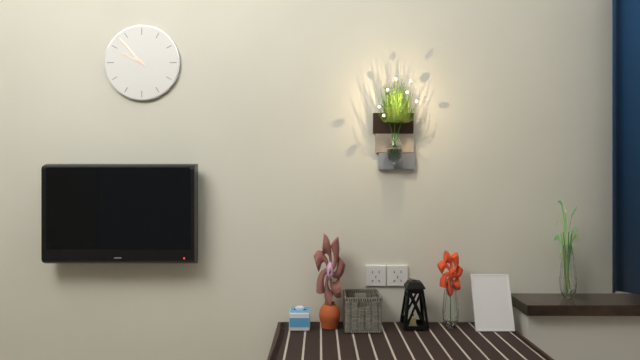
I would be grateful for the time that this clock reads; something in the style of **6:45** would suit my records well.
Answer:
**9:53**
